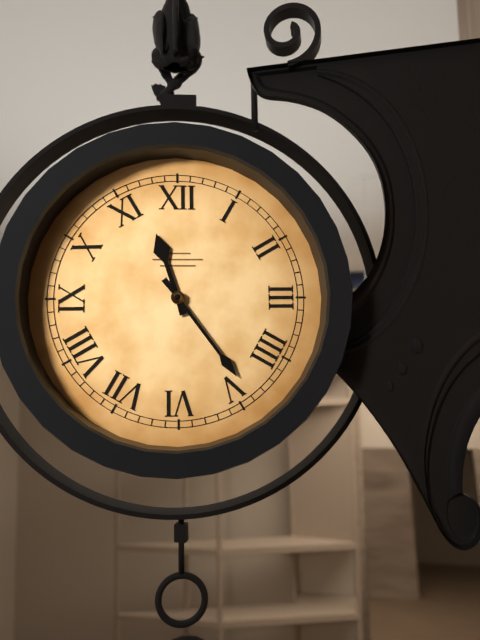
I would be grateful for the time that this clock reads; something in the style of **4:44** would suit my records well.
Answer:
**11:24**
